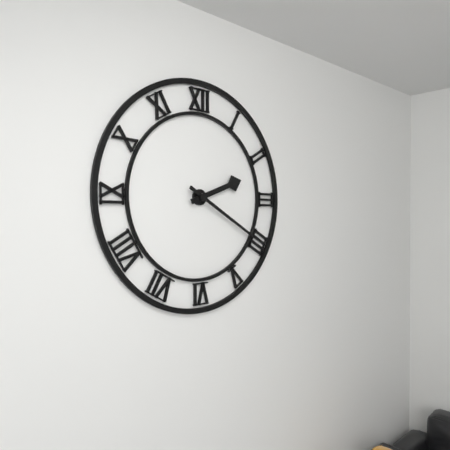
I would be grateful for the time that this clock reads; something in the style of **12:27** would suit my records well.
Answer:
**2:20**
